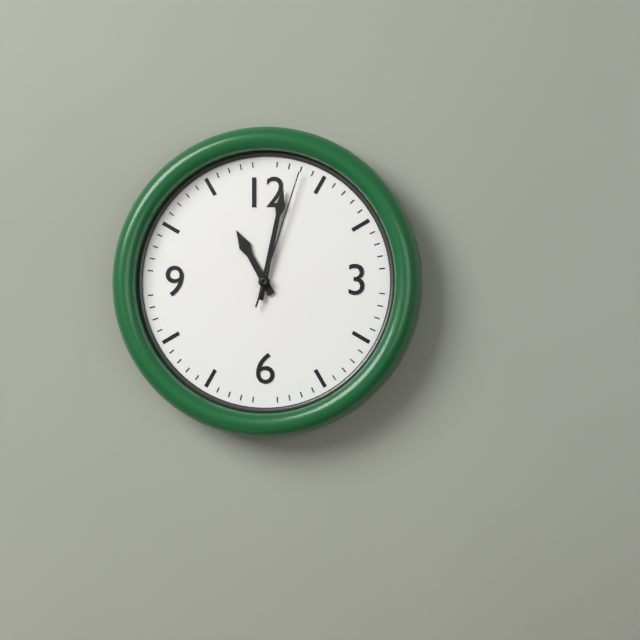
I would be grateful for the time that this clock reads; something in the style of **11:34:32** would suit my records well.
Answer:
**11:02:03**
